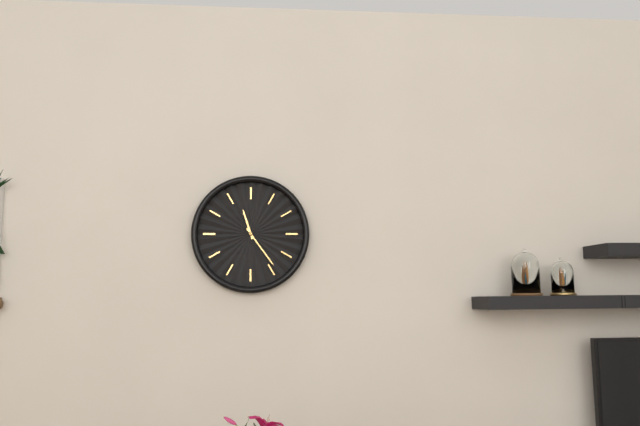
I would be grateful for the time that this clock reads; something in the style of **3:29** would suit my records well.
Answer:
**11:24**
